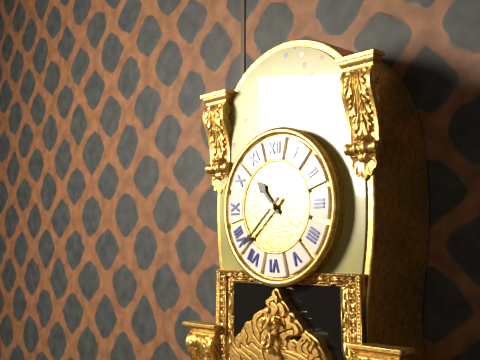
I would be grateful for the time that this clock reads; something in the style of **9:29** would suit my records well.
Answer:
**10:38**
